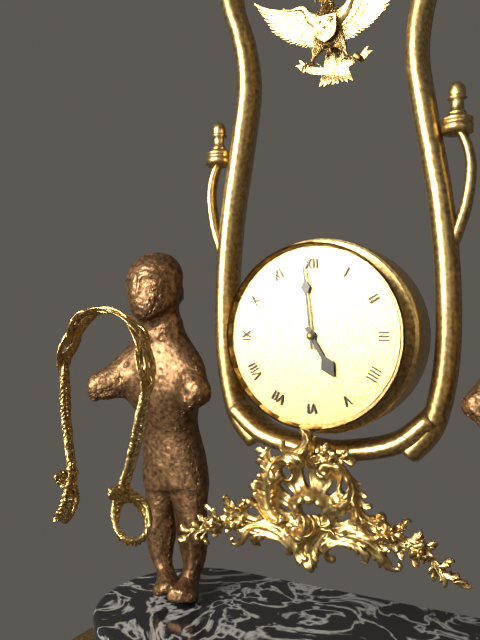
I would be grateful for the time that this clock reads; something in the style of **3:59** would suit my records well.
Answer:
**4:59**
